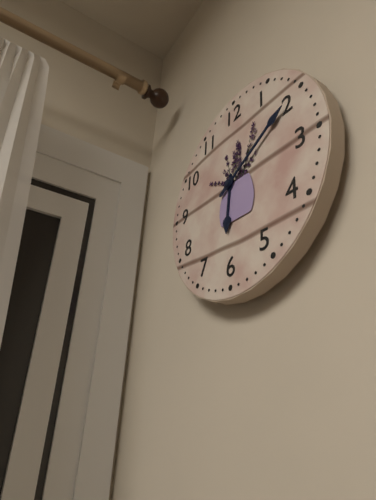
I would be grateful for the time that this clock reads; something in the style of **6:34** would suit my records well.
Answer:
**6:10**
